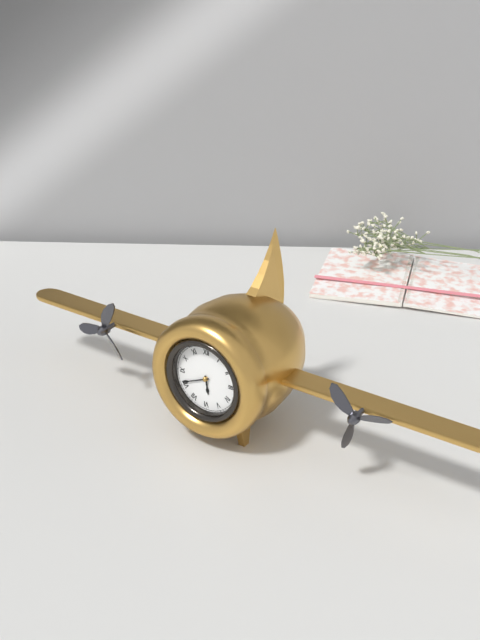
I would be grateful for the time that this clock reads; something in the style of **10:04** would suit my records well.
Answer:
**5:41**
